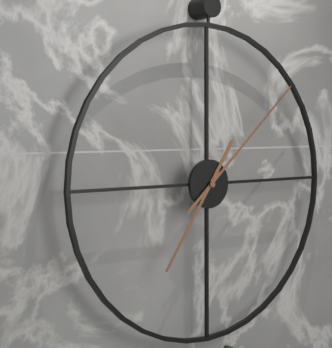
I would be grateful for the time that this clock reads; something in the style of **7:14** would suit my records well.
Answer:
**7:08**
